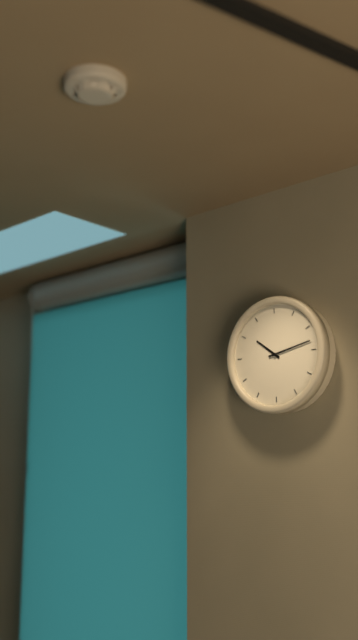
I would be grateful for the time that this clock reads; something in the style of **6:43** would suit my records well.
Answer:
**10:13**
